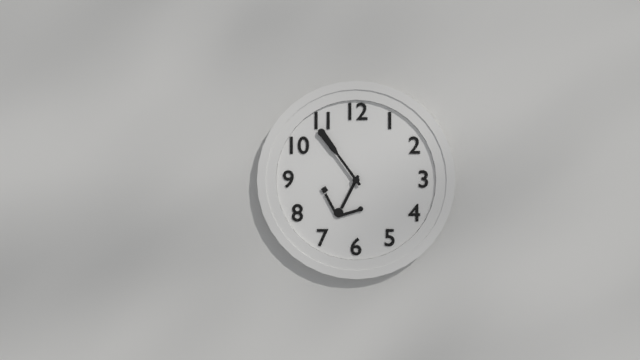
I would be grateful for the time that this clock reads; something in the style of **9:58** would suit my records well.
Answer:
**6:54**
